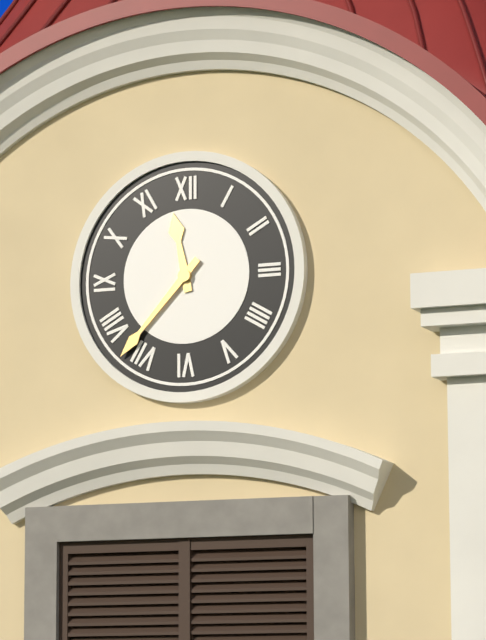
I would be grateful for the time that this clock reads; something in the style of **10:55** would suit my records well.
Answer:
**11:37**
